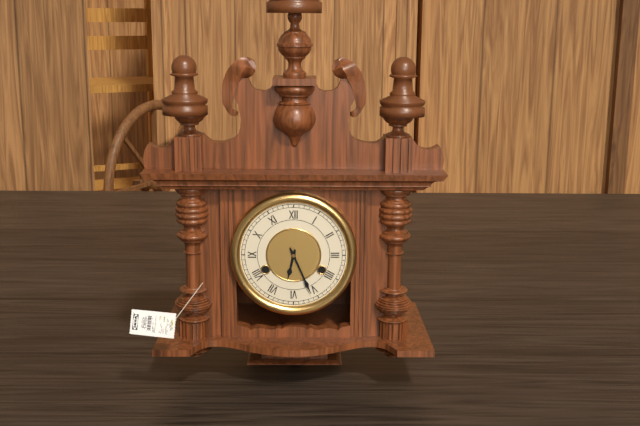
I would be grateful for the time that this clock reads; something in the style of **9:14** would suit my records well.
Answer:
**6:26**
